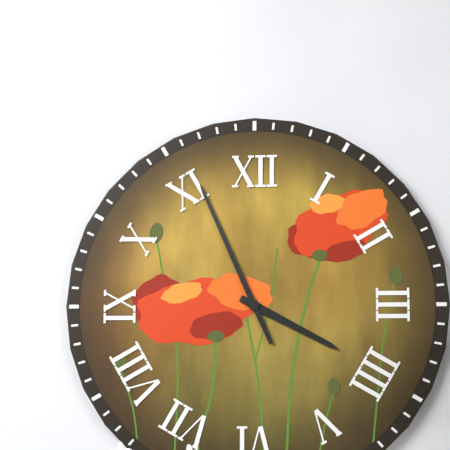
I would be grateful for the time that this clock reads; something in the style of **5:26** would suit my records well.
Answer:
**3:56**
